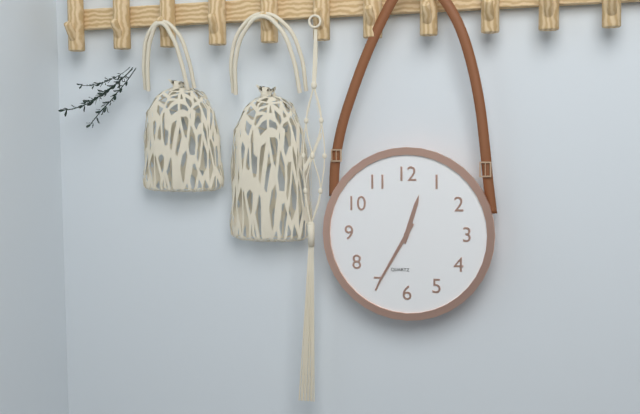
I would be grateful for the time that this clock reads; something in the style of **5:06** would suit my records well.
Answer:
**12:35**
